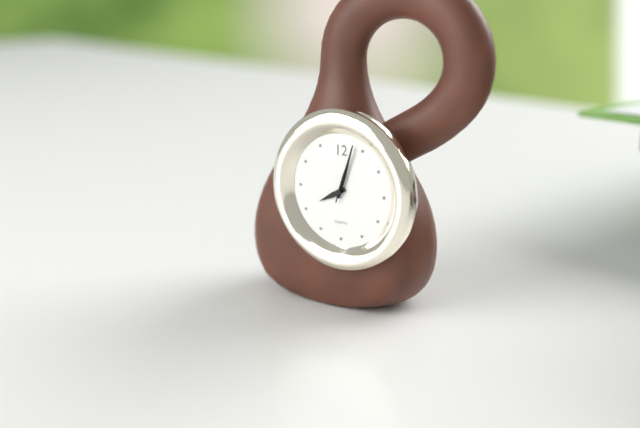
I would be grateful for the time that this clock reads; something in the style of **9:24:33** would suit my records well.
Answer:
**8:03:03**
